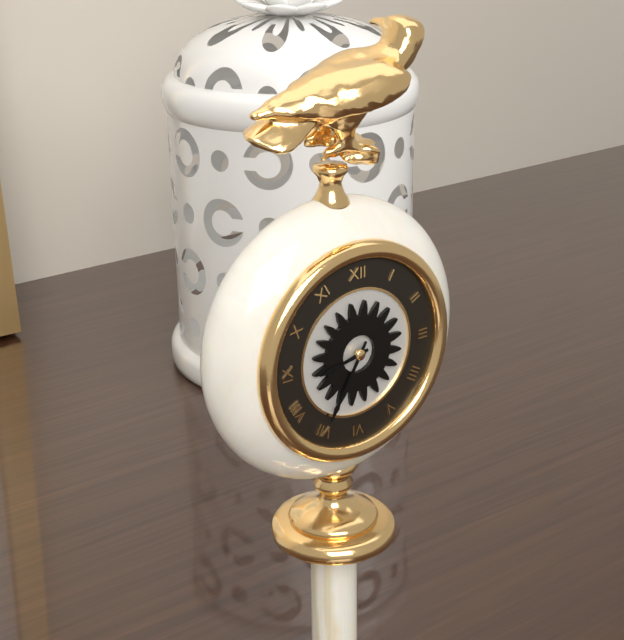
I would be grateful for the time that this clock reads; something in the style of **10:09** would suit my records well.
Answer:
**8:35**
